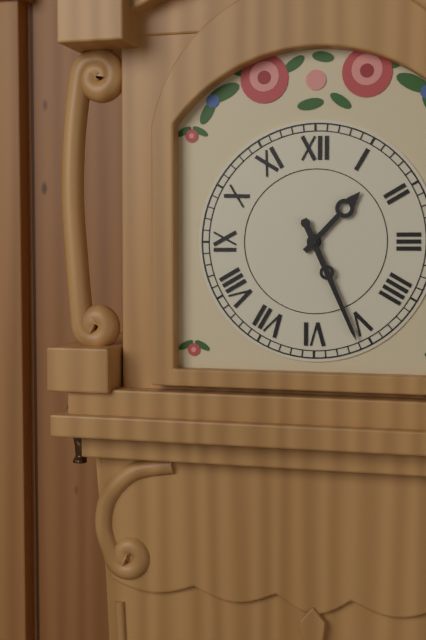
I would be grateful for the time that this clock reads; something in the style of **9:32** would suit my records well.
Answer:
**1:26**
